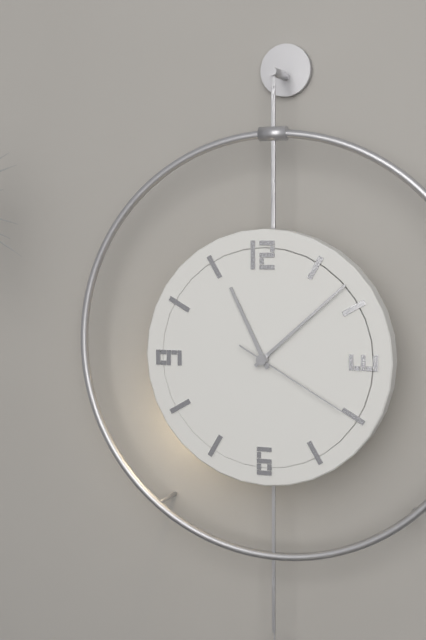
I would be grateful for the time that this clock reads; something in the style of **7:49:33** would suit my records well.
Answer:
**11:08:20**
